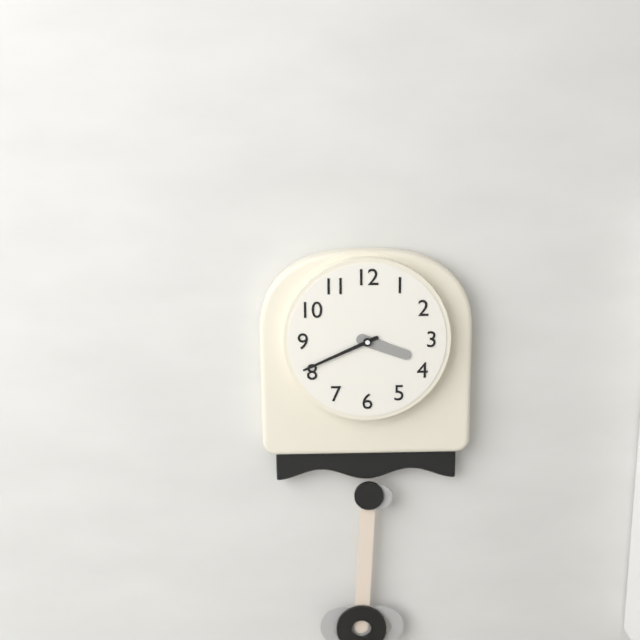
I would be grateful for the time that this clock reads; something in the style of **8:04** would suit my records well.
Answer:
**3:41**
